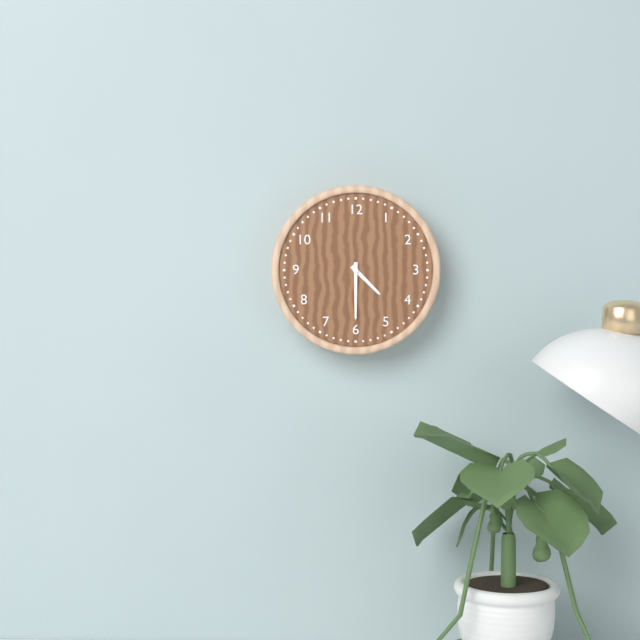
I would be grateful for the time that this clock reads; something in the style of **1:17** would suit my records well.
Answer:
**4:30**
